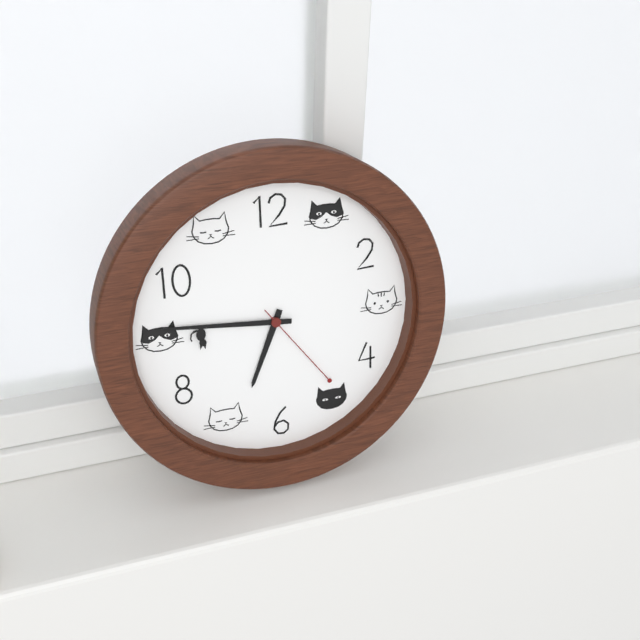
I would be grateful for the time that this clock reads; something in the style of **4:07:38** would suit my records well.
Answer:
**6:46:24**
